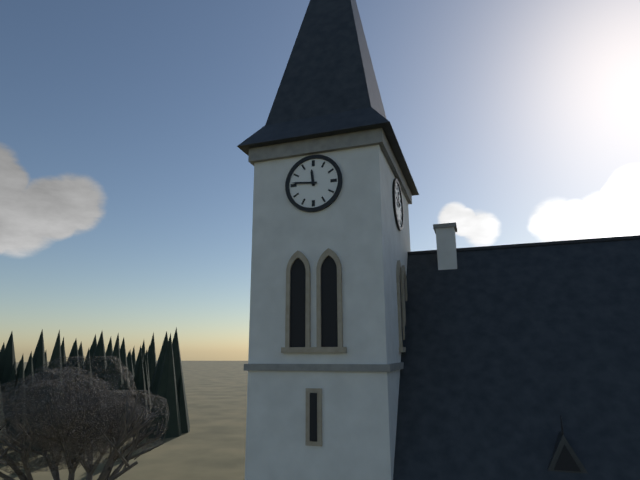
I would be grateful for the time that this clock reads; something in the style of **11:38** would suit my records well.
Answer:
**11:46**
